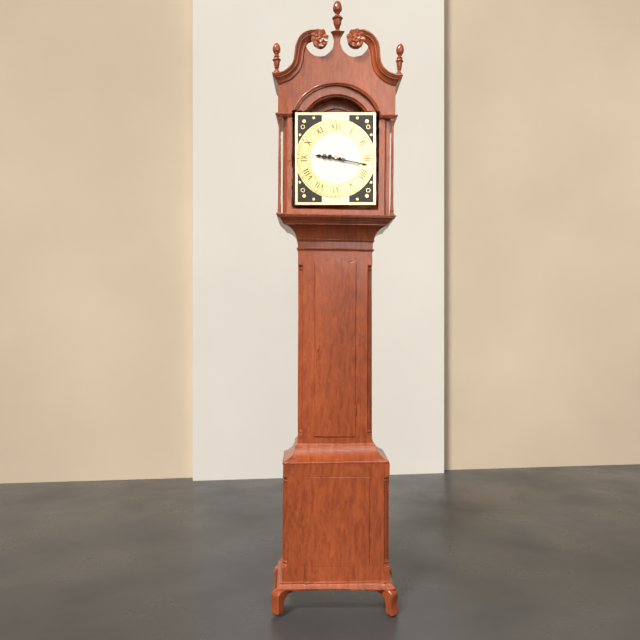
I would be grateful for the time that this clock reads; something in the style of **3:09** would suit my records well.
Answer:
**9:17**
